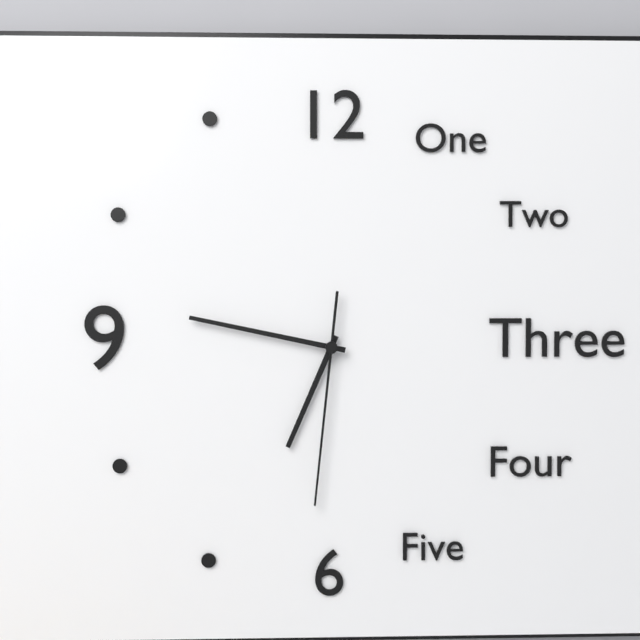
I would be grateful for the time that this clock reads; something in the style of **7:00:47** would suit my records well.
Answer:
**6:47:31**
